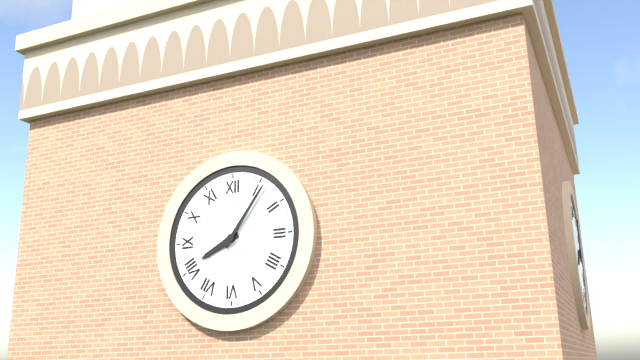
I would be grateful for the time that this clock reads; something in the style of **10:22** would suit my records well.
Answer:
**8:06**
